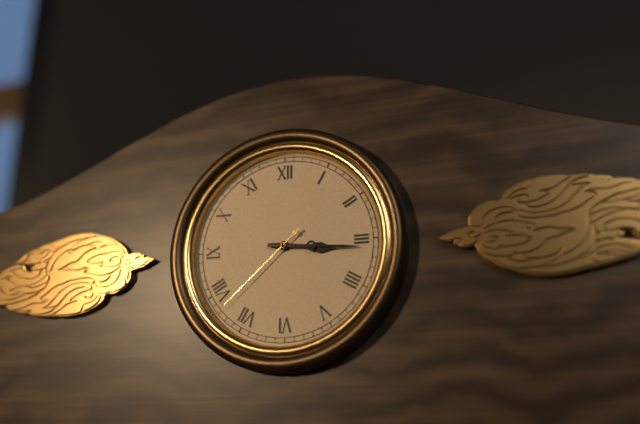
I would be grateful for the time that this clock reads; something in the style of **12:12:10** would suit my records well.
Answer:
**3:16:38**
